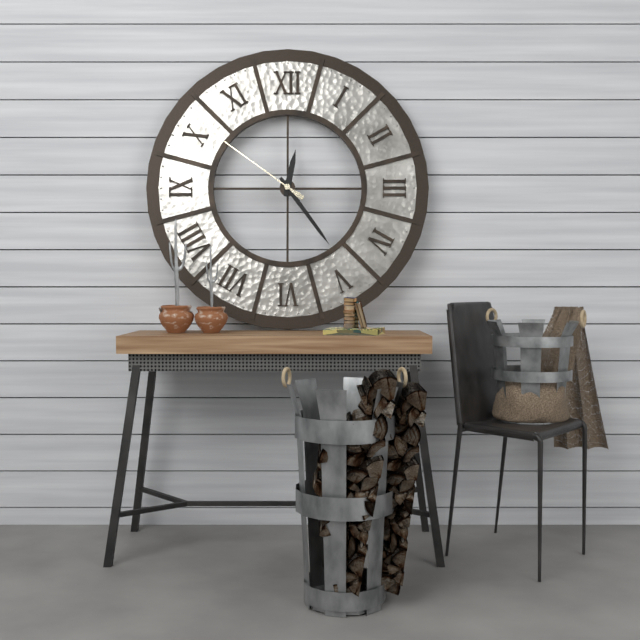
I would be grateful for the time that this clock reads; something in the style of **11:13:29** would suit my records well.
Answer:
**12:24:51**
